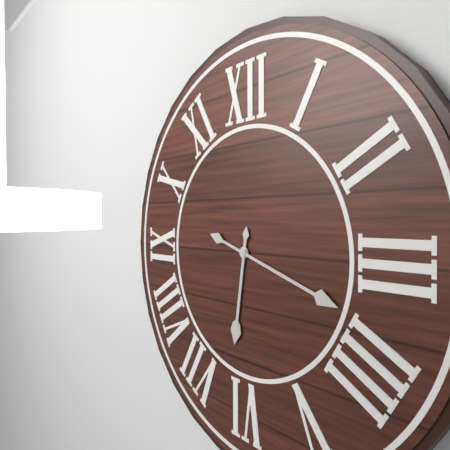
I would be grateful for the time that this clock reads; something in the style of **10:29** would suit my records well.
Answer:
**6:18**
